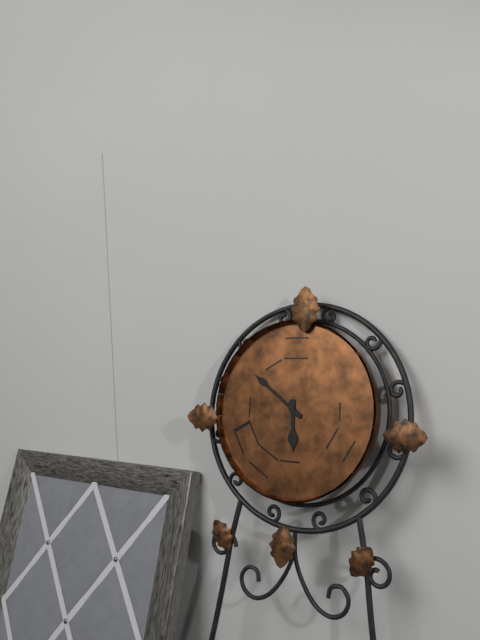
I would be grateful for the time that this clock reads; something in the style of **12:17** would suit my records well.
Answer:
**5:51**
